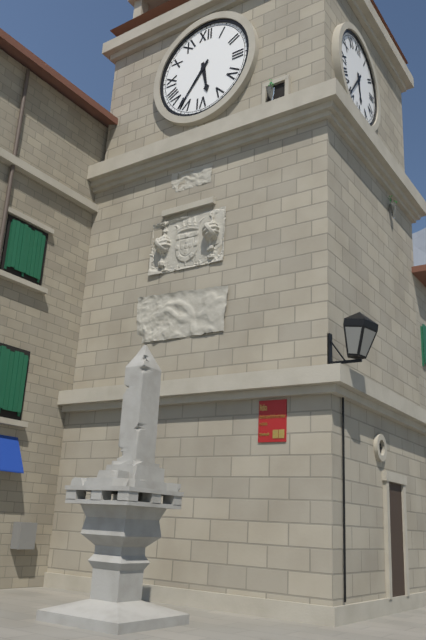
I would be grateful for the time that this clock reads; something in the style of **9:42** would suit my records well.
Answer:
**5:36**
